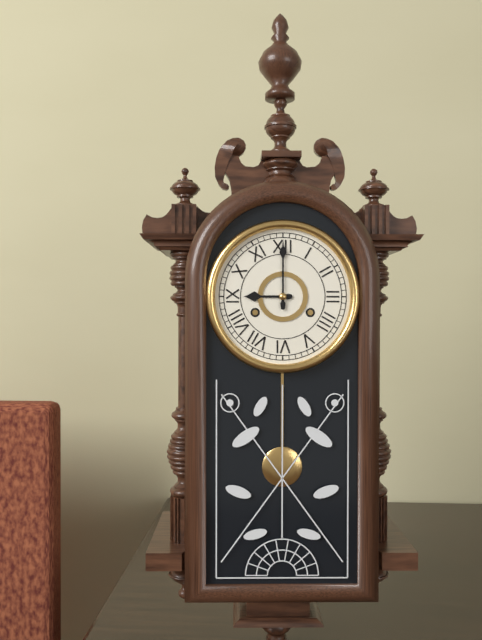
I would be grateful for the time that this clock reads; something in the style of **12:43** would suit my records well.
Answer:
**9:00**
